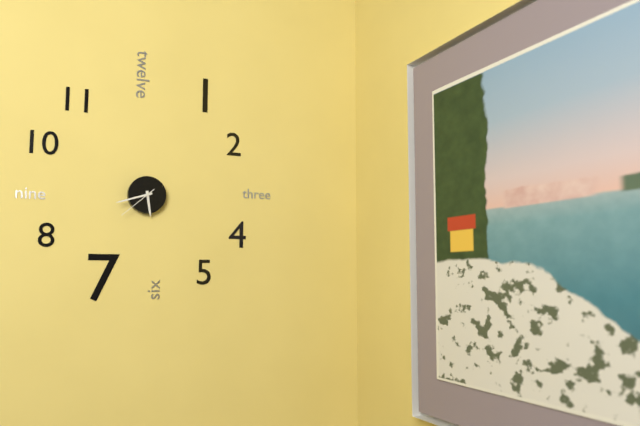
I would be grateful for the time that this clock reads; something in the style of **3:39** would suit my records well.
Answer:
**5:42**
